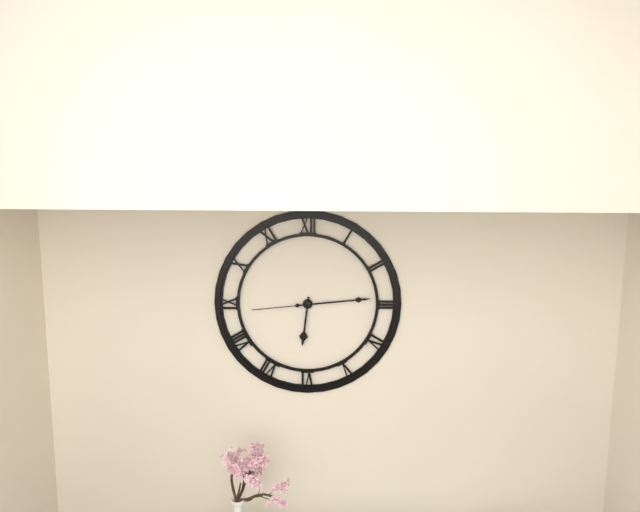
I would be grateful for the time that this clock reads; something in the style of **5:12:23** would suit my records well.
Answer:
**6:14:14**
